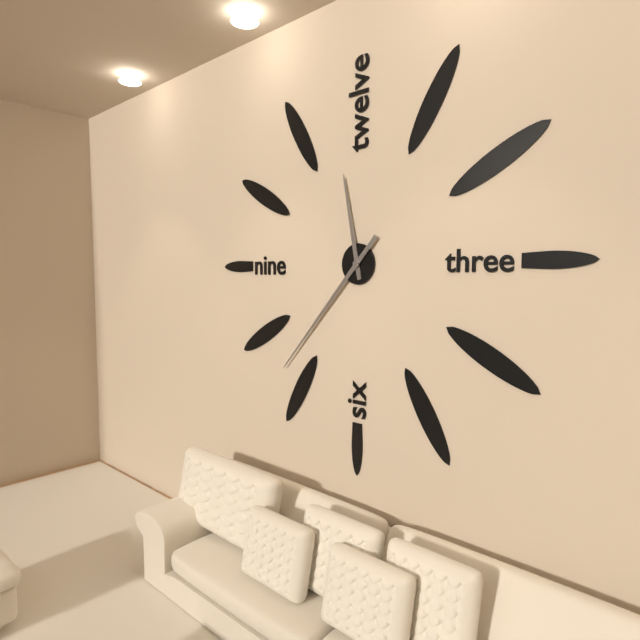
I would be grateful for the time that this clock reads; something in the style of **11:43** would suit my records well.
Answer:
**11:37**
